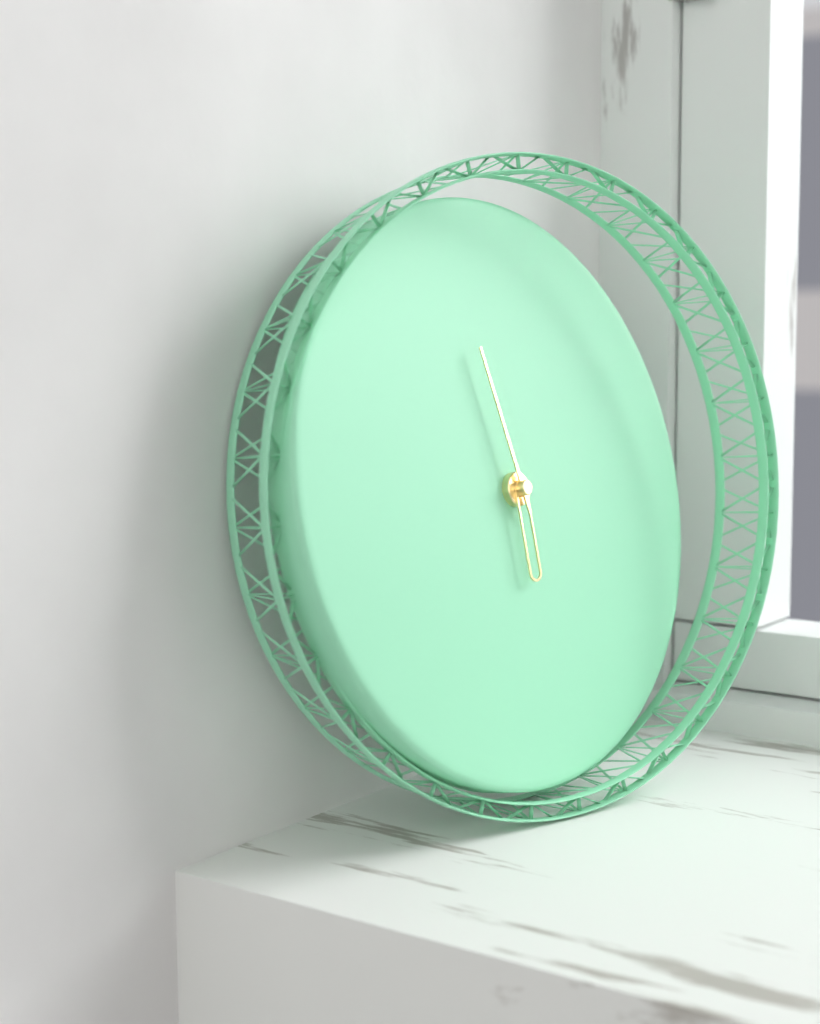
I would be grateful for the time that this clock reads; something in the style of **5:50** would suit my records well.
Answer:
**5:58**
